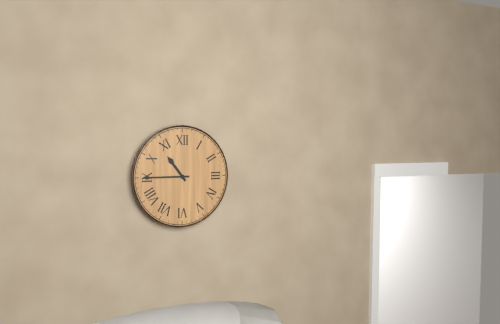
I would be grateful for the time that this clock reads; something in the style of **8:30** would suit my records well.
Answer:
**10:45**
